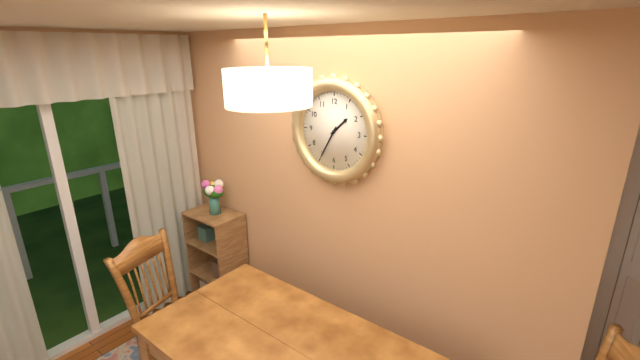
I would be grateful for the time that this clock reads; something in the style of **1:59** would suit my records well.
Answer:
**1:35**
